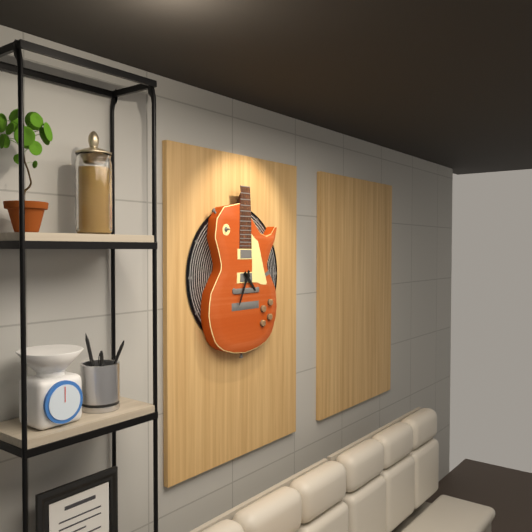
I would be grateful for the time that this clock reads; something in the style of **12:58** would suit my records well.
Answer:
**4:34**
